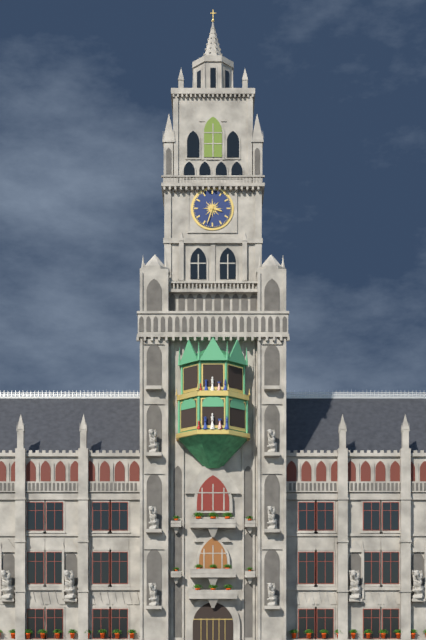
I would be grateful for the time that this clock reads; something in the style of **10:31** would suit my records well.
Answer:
**3:33**
